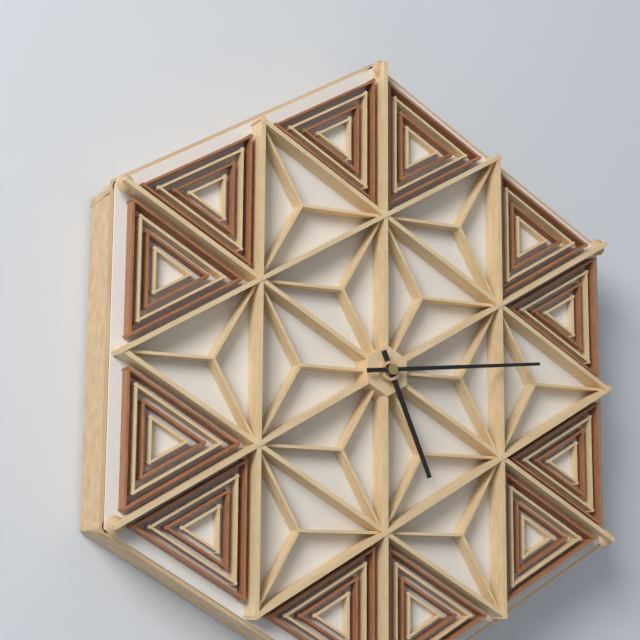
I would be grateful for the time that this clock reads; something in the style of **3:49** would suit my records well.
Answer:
**5:14**
